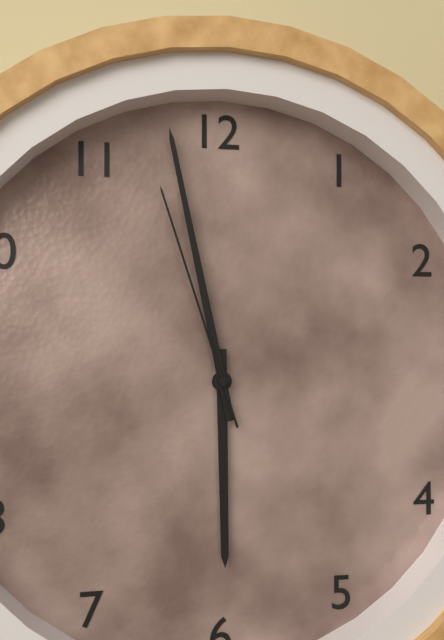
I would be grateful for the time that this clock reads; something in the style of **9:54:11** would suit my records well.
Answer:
**5:58:57**
